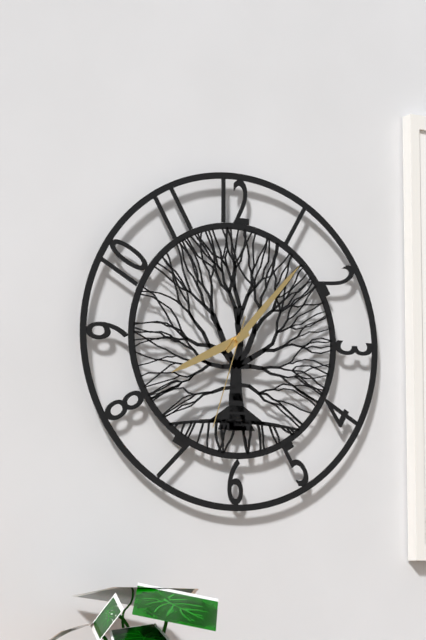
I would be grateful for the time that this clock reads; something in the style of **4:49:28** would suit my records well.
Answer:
**8:07:33**
